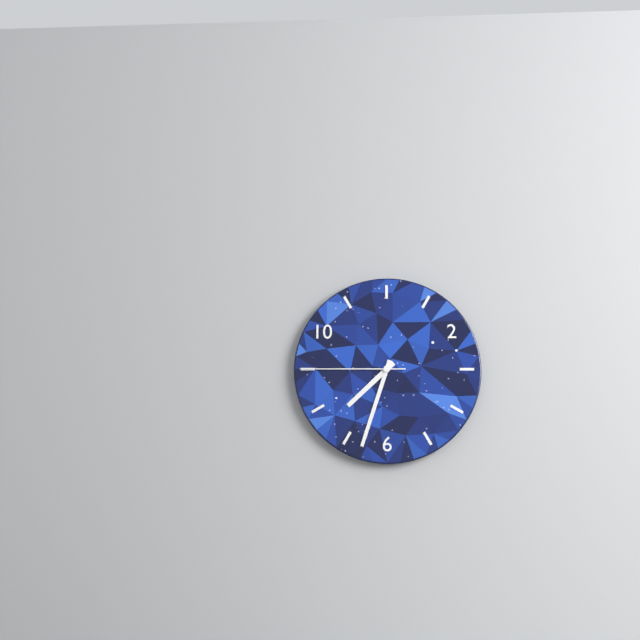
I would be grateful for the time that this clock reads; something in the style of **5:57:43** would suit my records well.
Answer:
**7:33:45**
